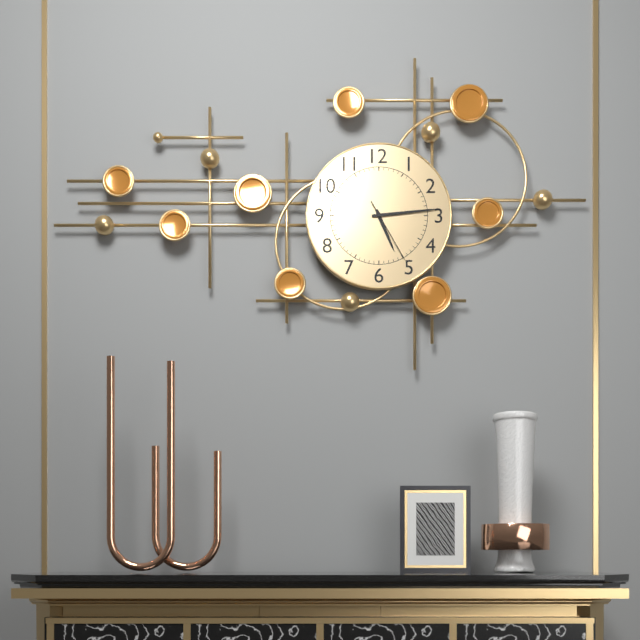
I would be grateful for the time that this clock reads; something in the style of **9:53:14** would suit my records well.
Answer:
**5:14:25**
